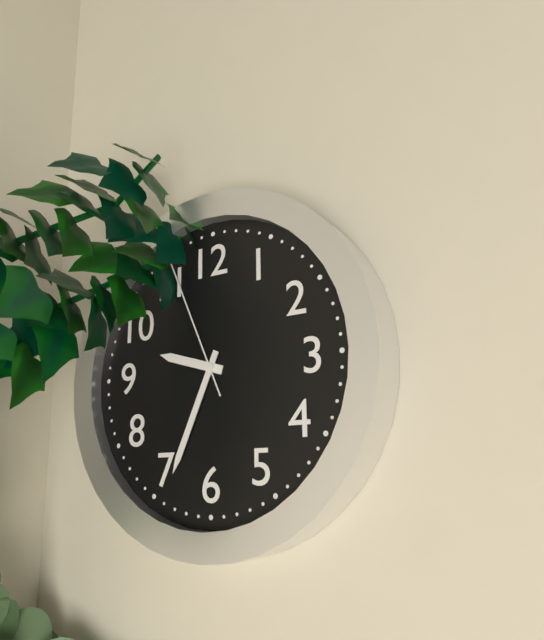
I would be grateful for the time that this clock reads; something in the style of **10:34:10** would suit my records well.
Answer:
**9:34:56**
